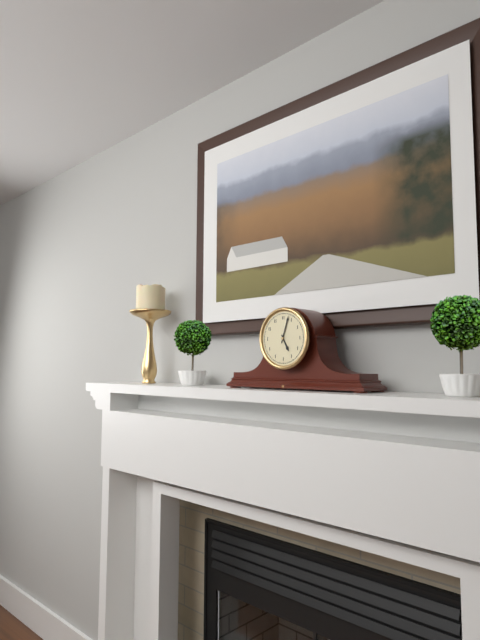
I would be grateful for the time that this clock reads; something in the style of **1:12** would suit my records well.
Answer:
**5:03**
